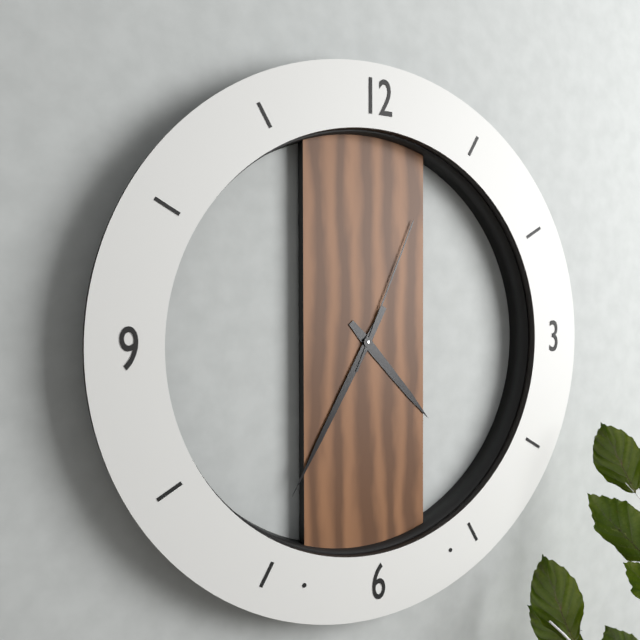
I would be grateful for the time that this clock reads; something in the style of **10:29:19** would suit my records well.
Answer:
**4:35:04**
